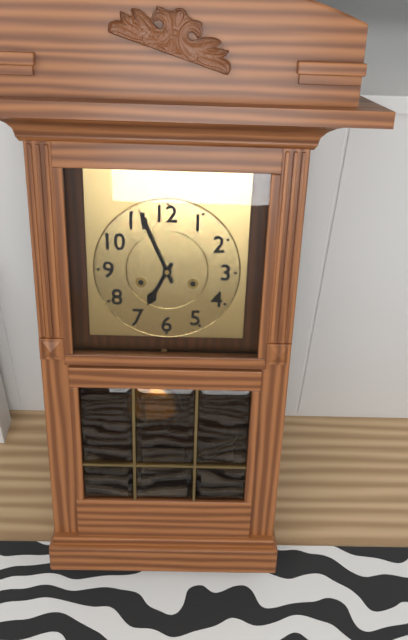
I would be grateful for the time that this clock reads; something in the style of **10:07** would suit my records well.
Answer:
**6:56**
